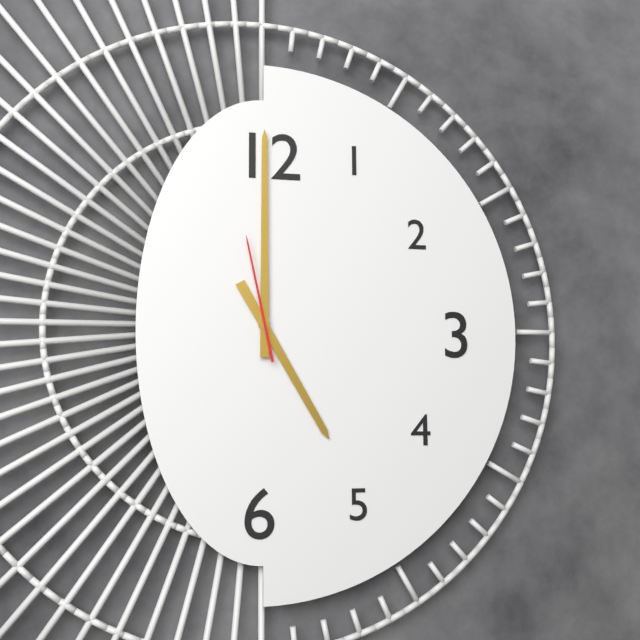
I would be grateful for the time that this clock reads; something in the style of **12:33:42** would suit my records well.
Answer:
**5:00:58**
